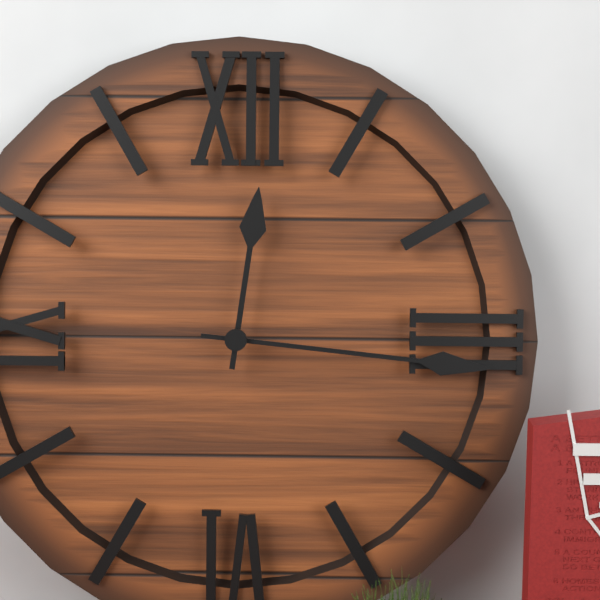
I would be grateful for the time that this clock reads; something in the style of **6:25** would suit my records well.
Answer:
**12:16**
